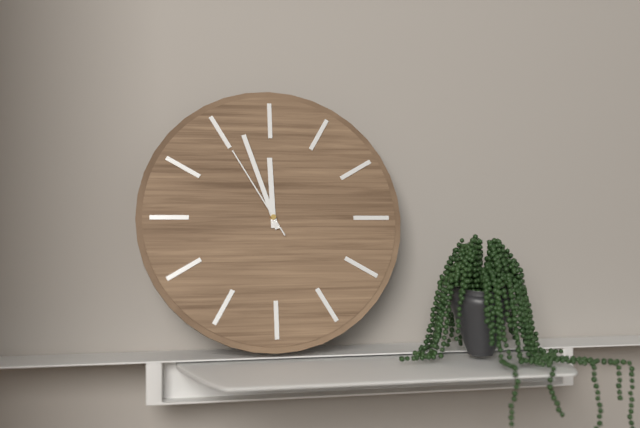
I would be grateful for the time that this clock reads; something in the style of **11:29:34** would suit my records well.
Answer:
**11:57:55**
